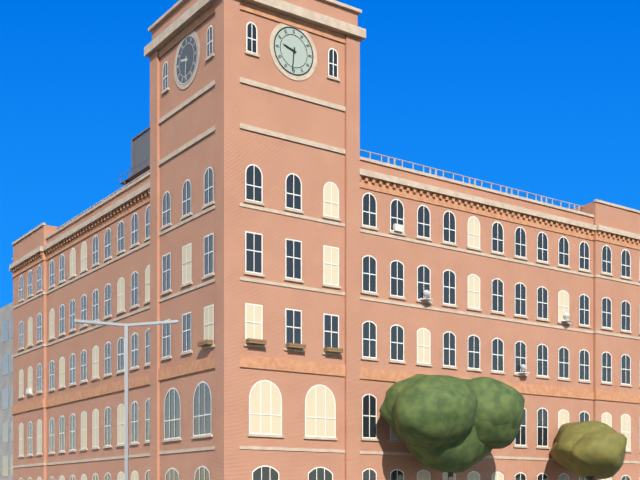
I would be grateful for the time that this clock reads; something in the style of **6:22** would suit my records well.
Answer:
**9:31**
